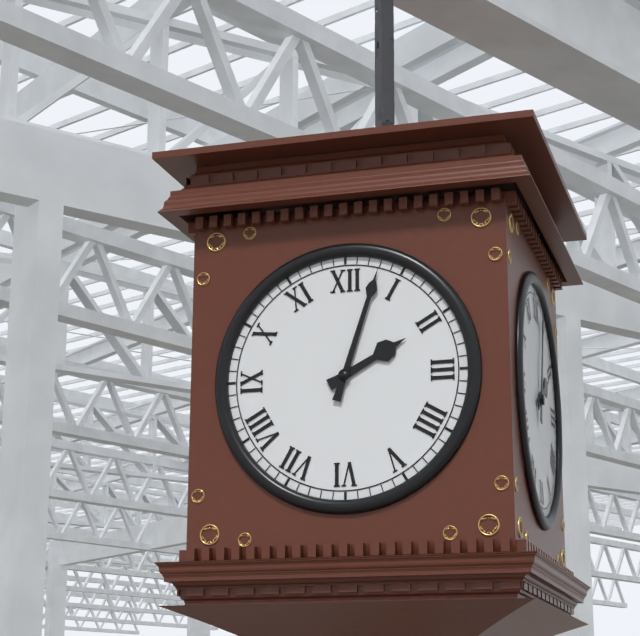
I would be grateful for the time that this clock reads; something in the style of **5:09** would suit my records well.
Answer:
**2:03**
